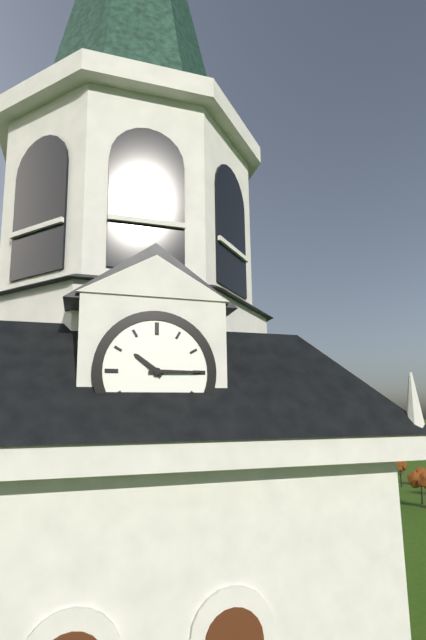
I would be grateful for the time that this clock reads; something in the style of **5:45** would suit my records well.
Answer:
**10:15**
